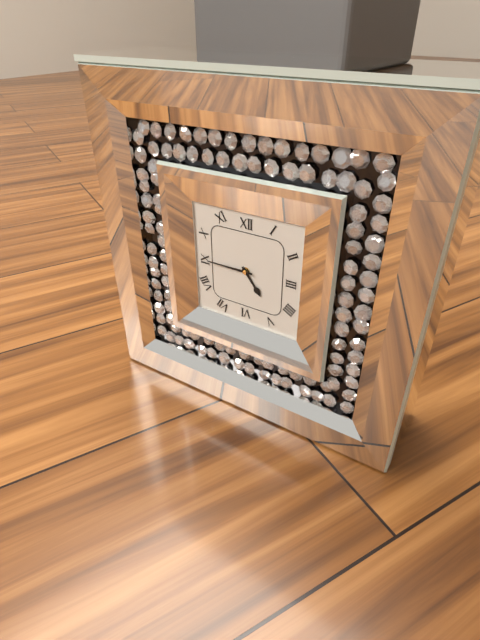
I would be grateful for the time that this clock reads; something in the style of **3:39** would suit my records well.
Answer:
**4:45**
